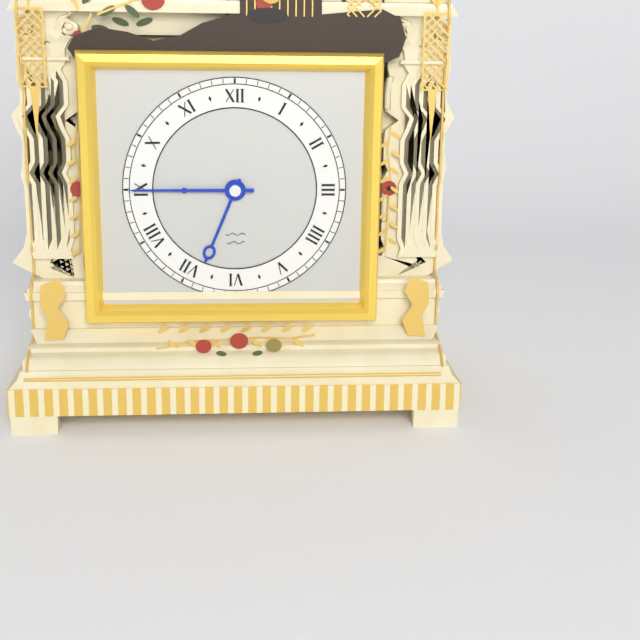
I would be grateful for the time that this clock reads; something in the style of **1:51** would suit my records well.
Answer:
**6:45**
